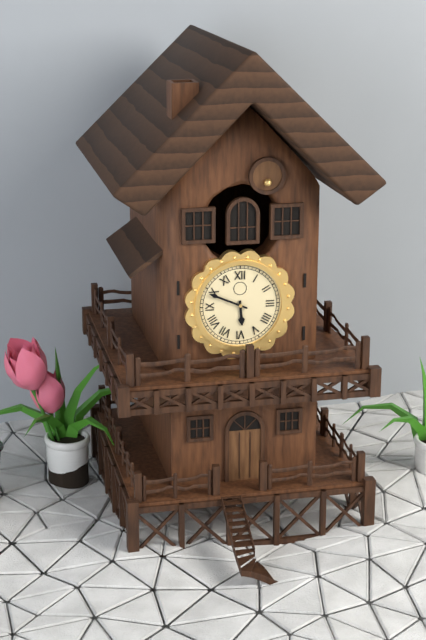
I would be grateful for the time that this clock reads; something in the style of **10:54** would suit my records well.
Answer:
**5:49**
